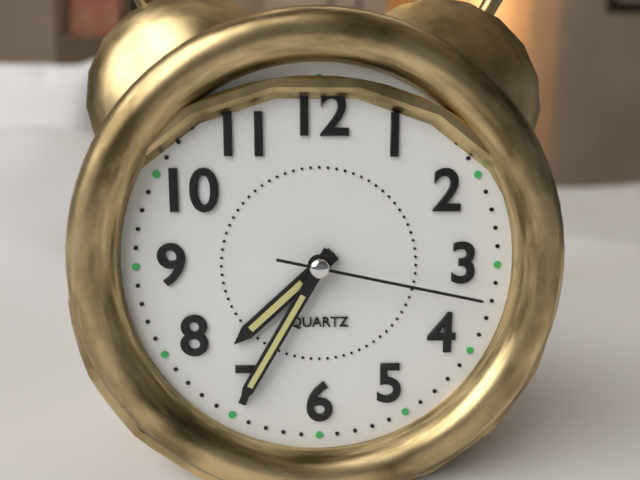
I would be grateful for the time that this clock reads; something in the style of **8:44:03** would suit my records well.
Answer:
**7:35:17**
